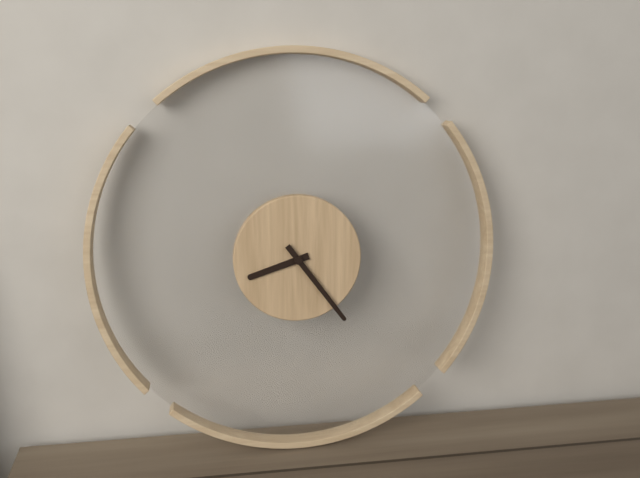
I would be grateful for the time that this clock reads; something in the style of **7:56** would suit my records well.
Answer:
**8:24**
